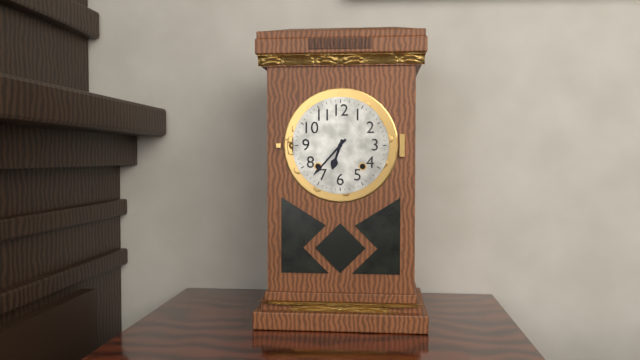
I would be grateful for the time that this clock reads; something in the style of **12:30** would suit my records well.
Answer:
**6:37**
